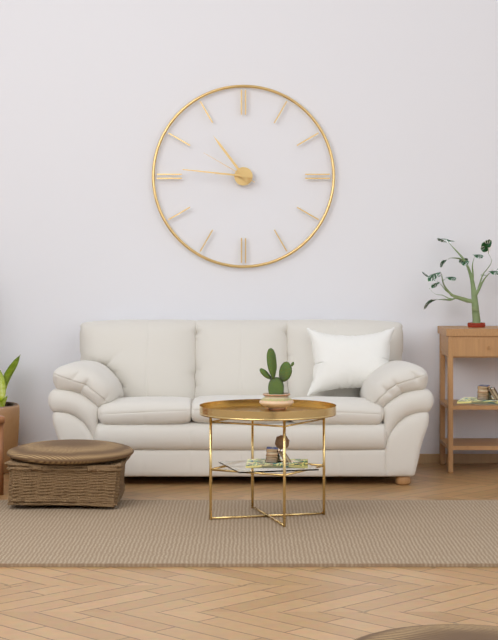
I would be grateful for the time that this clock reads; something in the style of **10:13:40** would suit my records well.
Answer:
**10:46:50**
